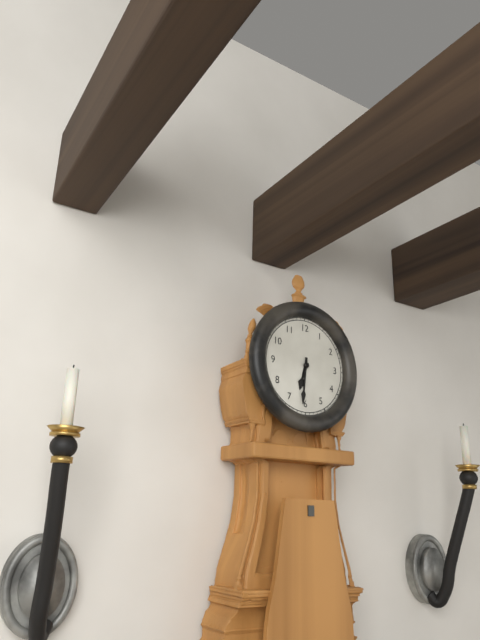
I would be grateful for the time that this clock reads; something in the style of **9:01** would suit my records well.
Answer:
**6:31**
